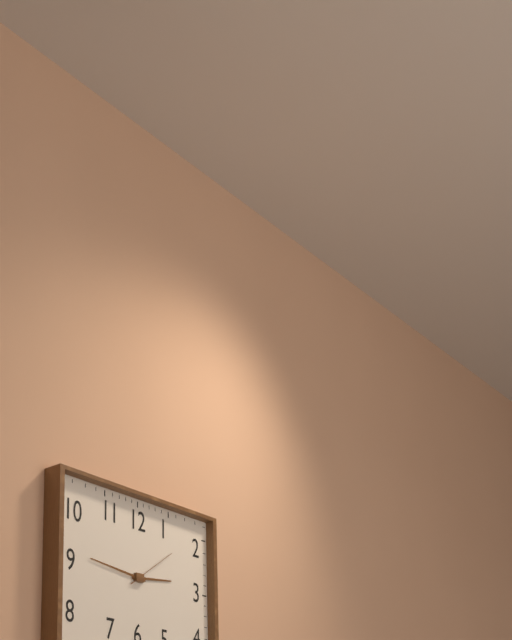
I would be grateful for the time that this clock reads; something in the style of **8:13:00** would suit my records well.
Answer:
**2:46:09**
